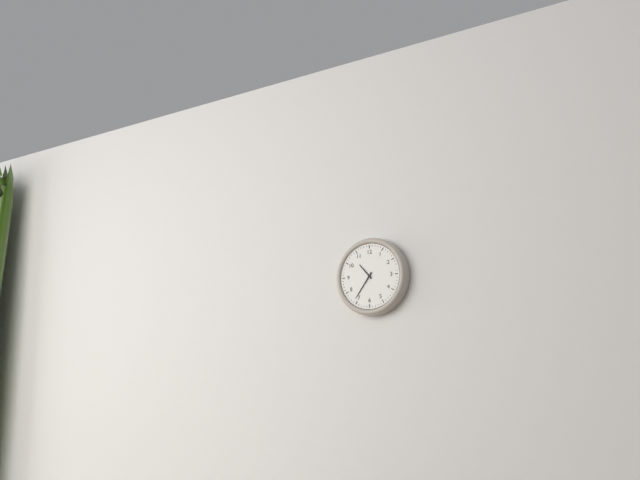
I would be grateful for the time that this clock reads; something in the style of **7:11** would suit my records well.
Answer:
**10:36**
